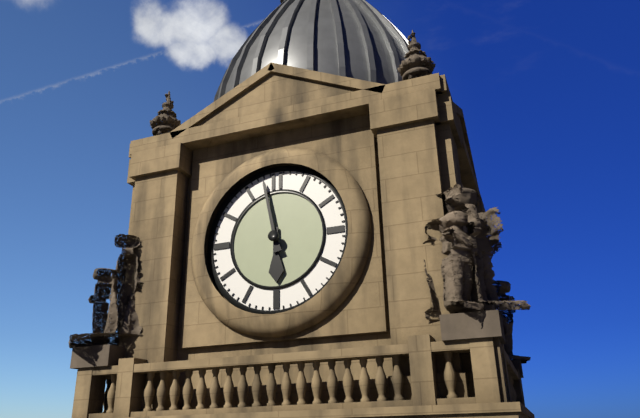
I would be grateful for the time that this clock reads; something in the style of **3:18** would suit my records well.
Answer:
**5:58**
